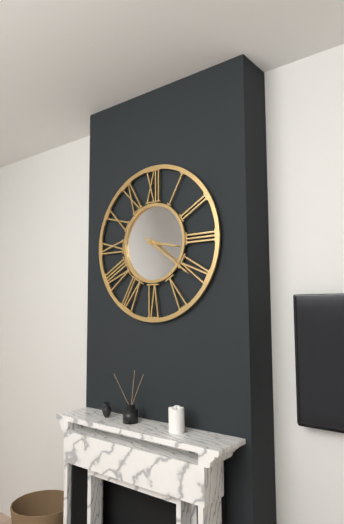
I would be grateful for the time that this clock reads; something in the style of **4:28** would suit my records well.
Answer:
**3:21**
